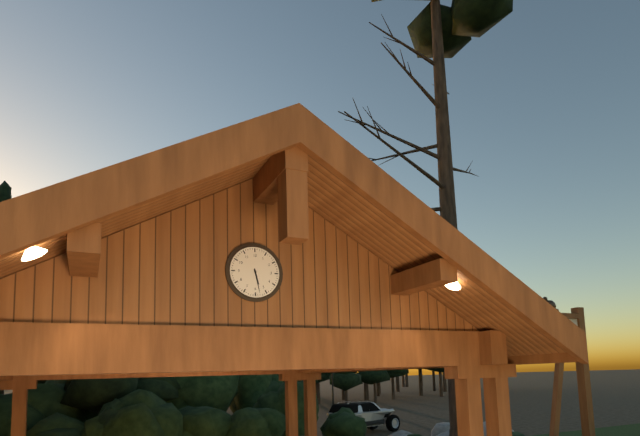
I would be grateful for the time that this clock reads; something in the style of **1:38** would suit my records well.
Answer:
**5:28**
